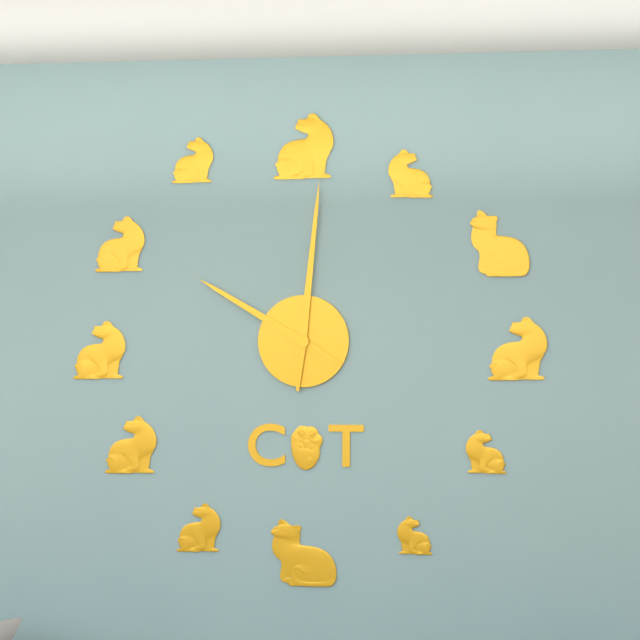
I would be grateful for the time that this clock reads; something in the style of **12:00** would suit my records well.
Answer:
**10:01**
